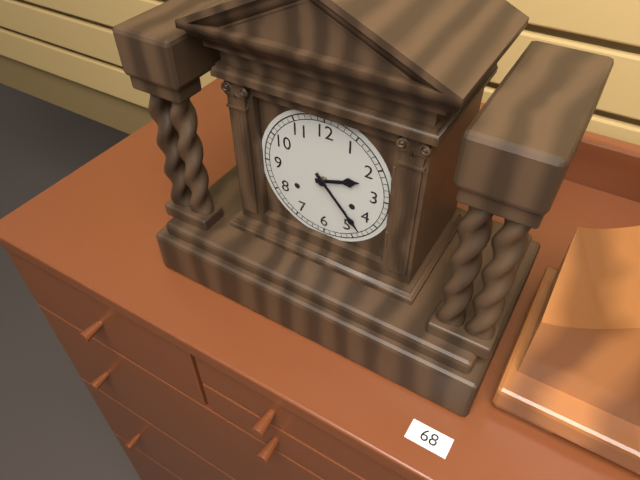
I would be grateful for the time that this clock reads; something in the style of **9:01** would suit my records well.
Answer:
**2:23**
